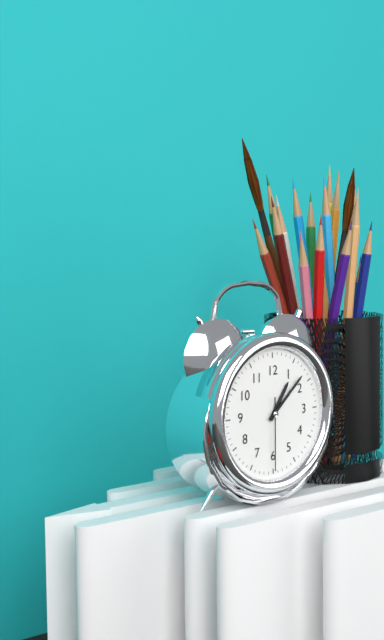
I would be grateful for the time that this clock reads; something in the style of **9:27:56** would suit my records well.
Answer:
**1:08:30**
